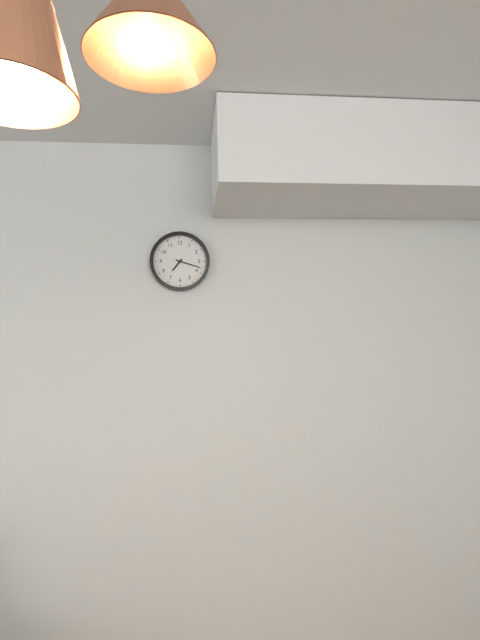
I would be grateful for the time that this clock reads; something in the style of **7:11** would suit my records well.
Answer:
**7:18**
